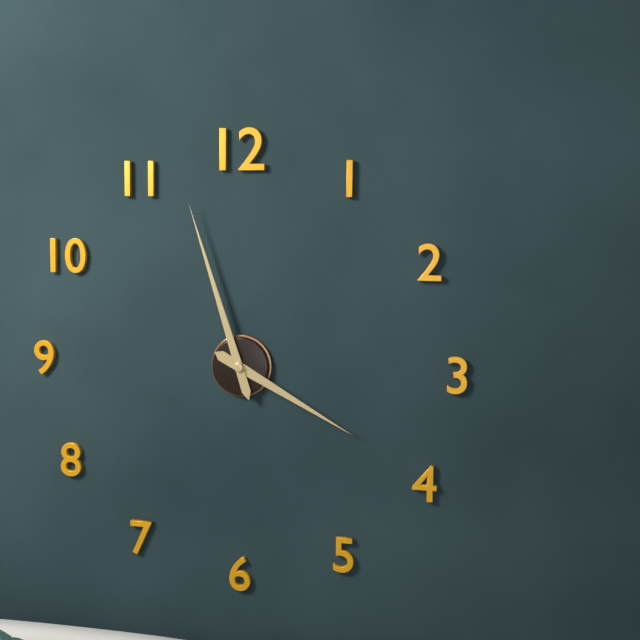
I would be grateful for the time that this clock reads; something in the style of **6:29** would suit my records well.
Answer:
**3:57**
